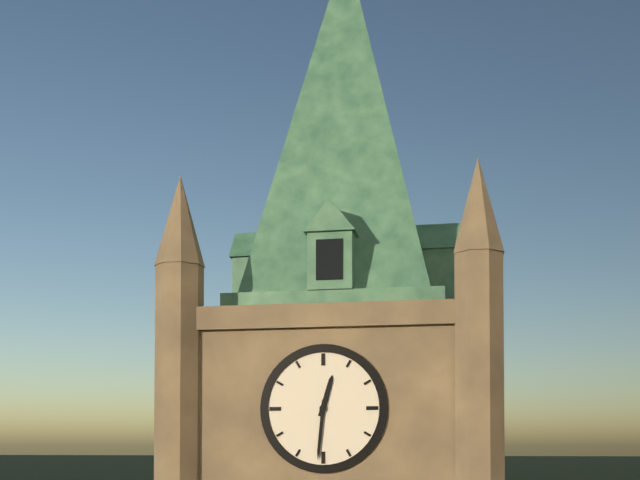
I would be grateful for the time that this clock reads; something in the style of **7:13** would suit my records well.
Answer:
**12:31**
